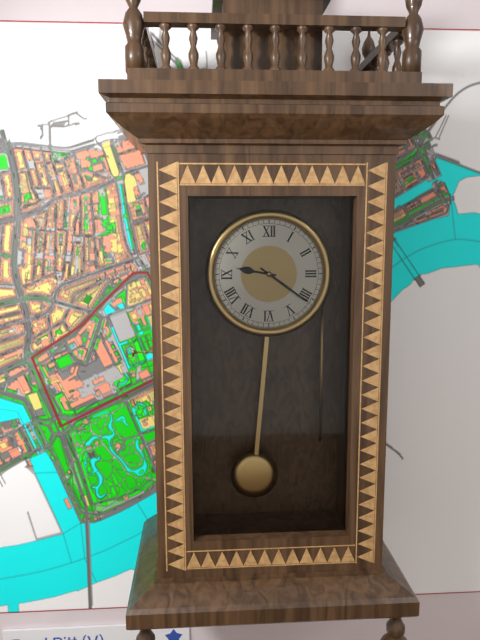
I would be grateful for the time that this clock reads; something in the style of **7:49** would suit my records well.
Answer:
**9:21**
